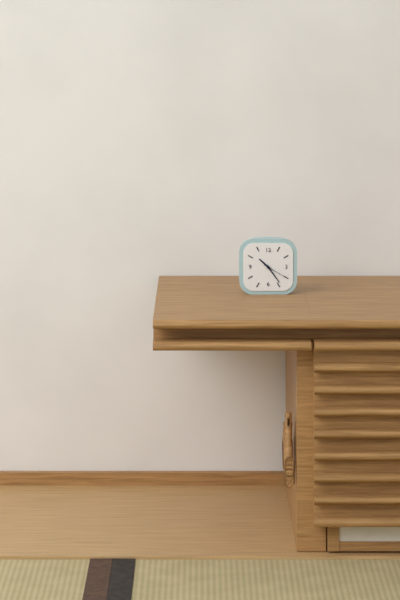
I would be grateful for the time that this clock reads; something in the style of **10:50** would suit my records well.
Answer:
**10:24**
